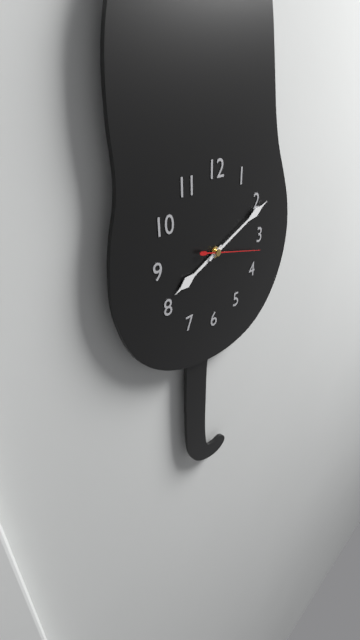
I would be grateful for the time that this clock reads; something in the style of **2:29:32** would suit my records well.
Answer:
**8:11:17**
